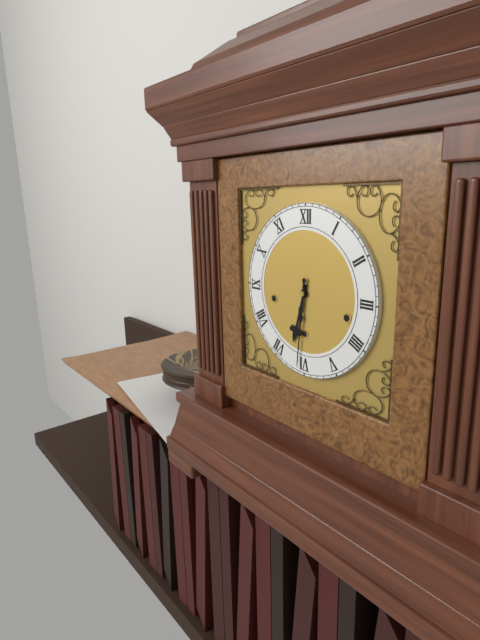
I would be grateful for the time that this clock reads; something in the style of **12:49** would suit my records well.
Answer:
**6:31**
